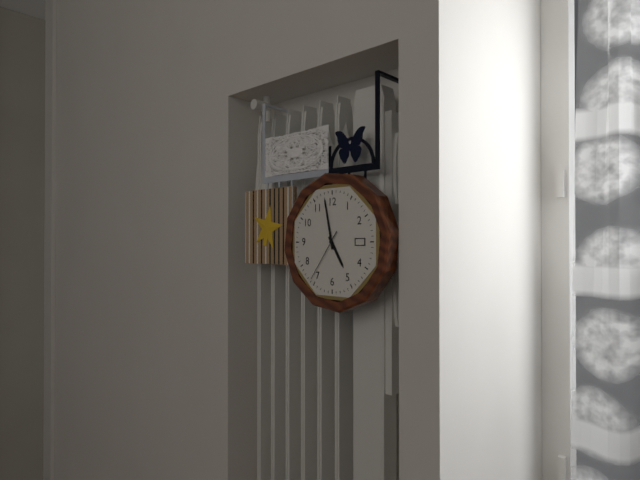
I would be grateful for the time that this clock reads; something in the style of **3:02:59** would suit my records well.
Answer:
**4:58:36**
